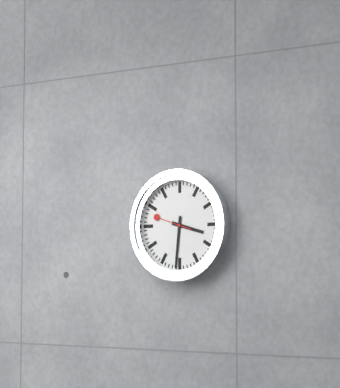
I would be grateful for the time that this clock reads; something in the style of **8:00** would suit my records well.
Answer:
**3:31**
